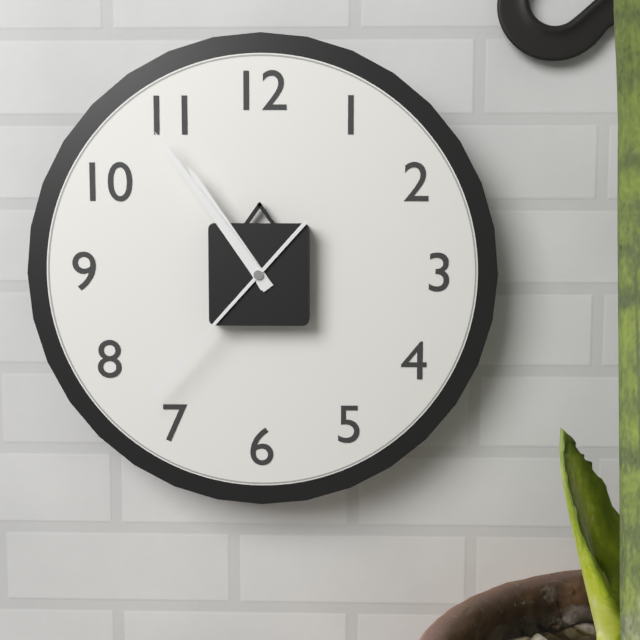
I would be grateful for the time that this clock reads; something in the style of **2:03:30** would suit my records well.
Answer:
**10:54:37**
